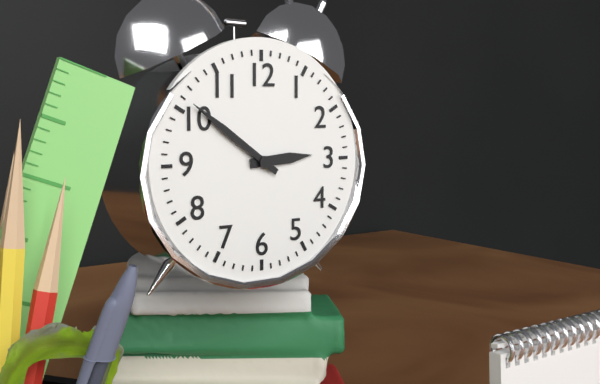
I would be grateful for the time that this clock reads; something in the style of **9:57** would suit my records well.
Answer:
**2:51**
